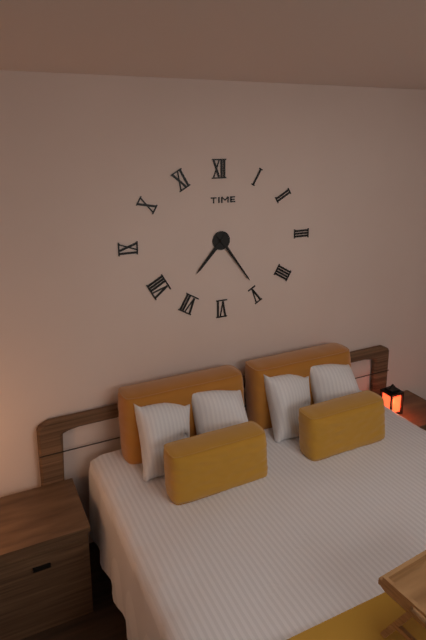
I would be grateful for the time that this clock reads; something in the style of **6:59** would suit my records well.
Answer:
**7:24**
